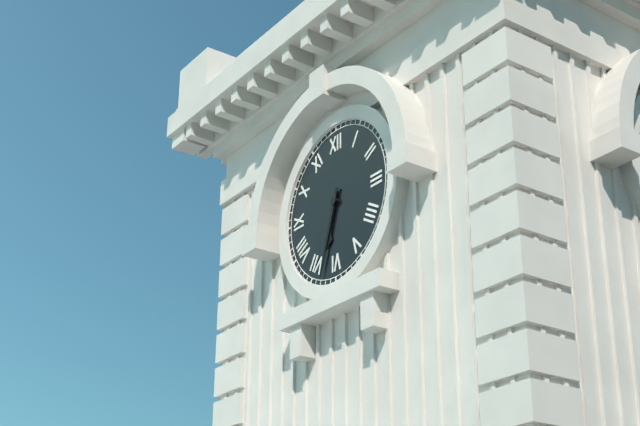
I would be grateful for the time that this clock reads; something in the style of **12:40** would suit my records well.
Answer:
**6:33**
